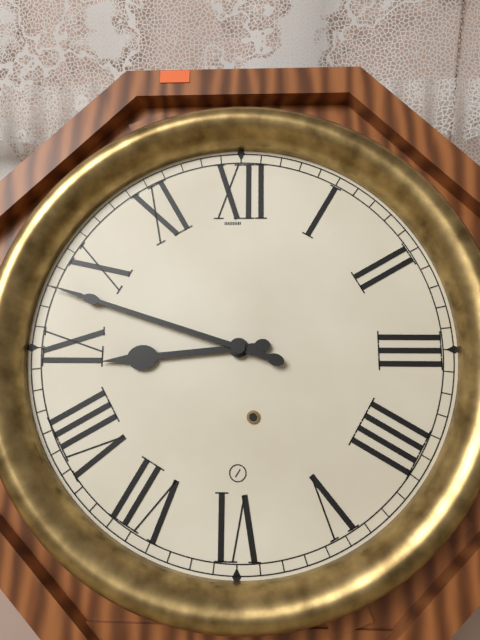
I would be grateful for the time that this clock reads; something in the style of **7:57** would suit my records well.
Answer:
**8:48**
